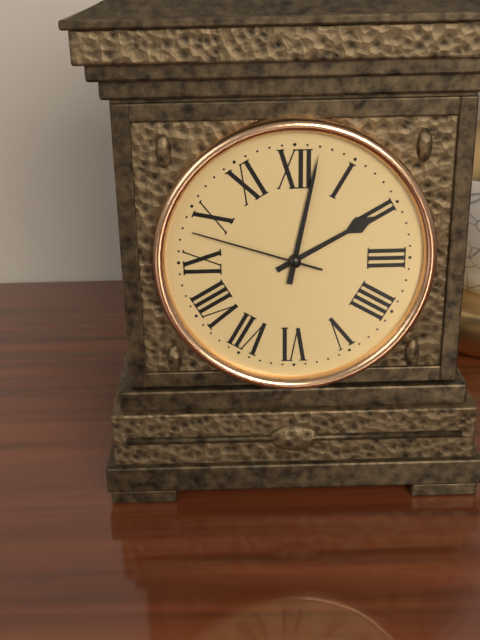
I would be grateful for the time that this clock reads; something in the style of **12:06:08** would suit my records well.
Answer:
**2:02:48**
